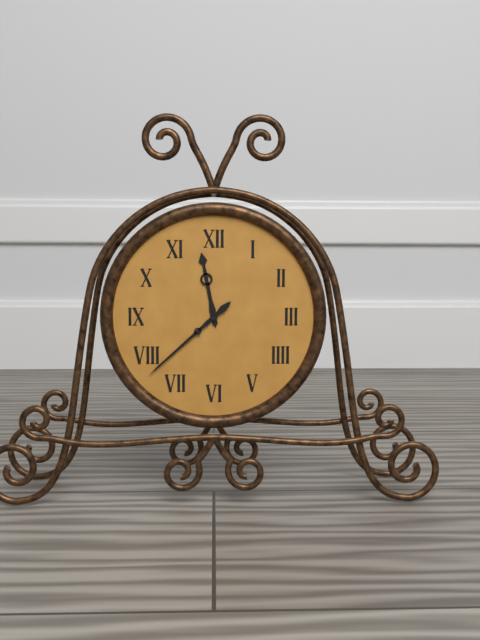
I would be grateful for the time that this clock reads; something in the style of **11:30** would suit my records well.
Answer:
**11:38**
